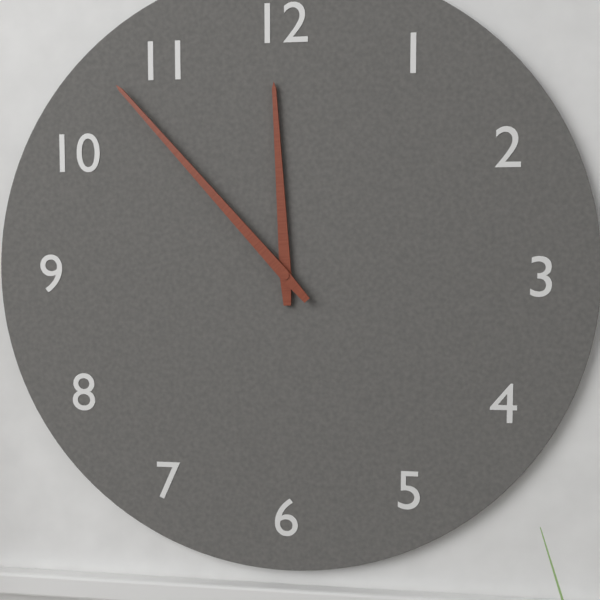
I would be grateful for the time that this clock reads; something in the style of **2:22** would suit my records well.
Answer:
**11:53**
